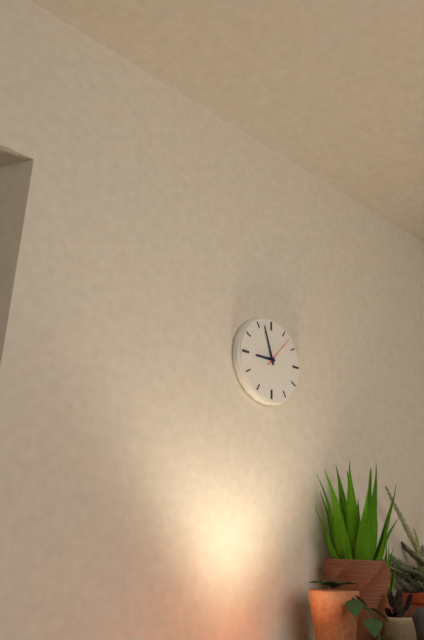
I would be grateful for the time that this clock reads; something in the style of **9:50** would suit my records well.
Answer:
**8:57**
